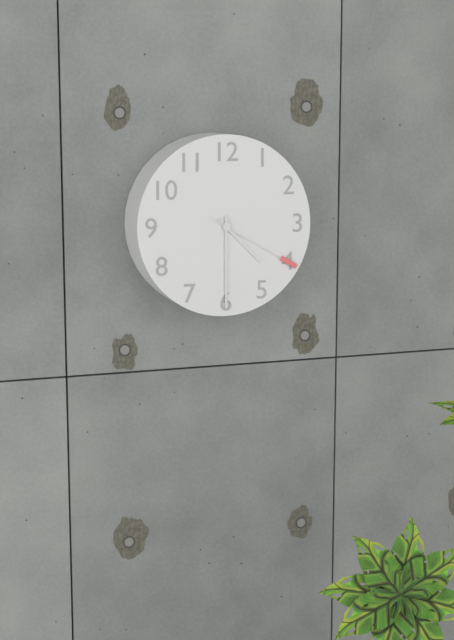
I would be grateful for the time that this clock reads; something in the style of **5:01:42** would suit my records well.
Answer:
**4:30:20**
